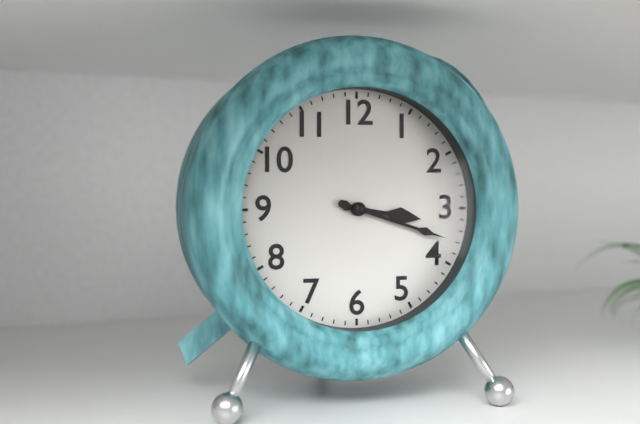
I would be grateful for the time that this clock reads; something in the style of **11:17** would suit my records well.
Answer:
**3:18**
